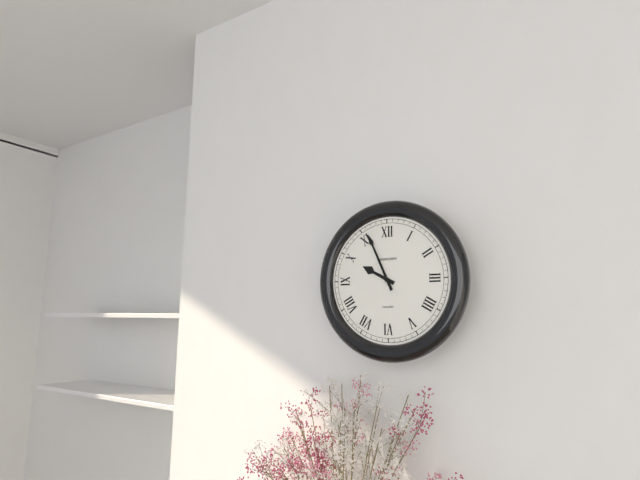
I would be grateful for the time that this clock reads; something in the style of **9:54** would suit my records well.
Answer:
**9:56**
